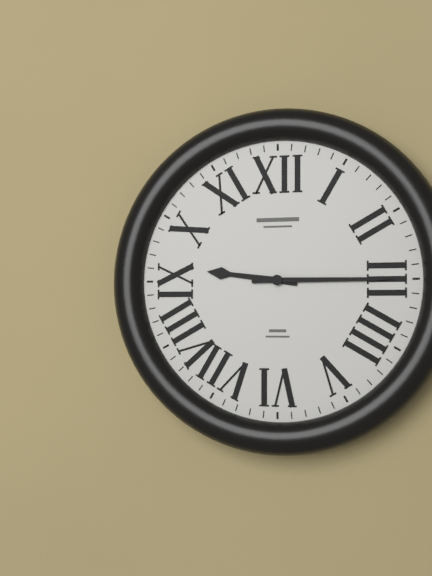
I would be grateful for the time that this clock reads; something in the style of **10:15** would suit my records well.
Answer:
**9:15**
